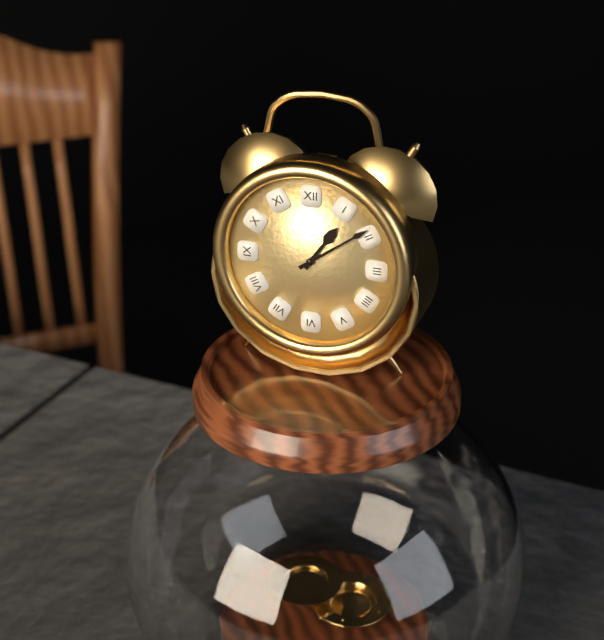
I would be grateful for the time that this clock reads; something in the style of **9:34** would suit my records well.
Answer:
**1:09**
